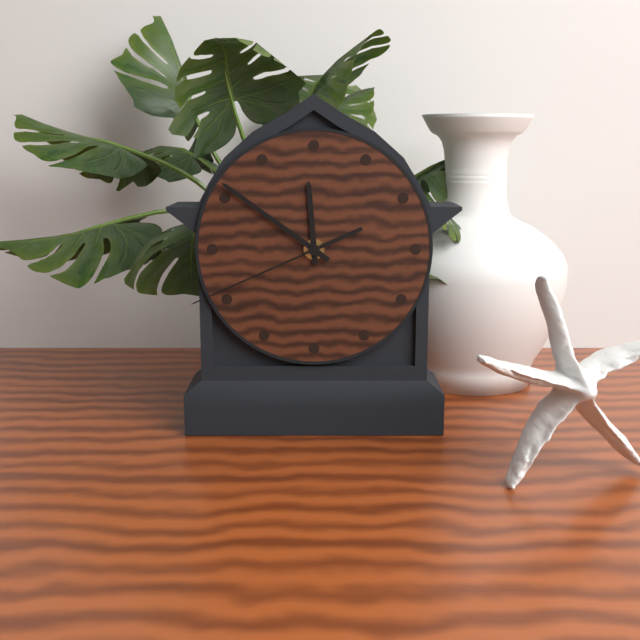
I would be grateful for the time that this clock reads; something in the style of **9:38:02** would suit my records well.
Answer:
**11:51:41**
